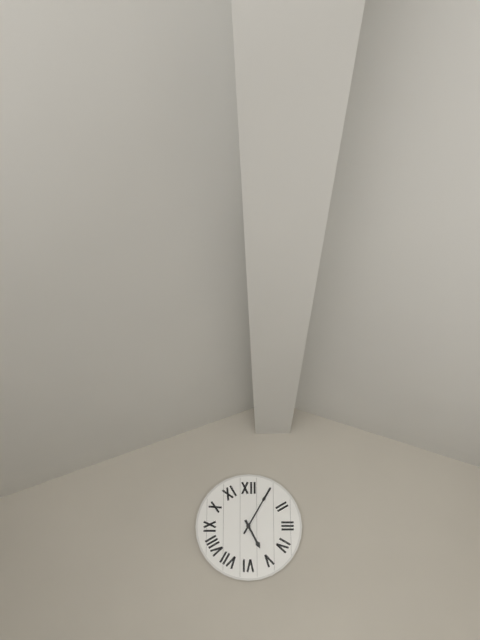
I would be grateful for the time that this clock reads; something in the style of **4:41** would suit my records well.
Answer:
**5:05**
